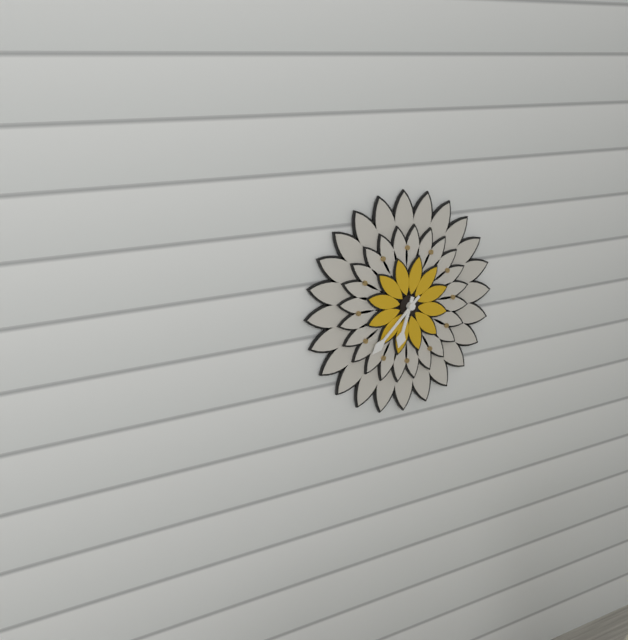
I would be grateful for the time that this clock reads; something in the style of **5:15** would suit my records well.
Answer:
**6:38**
